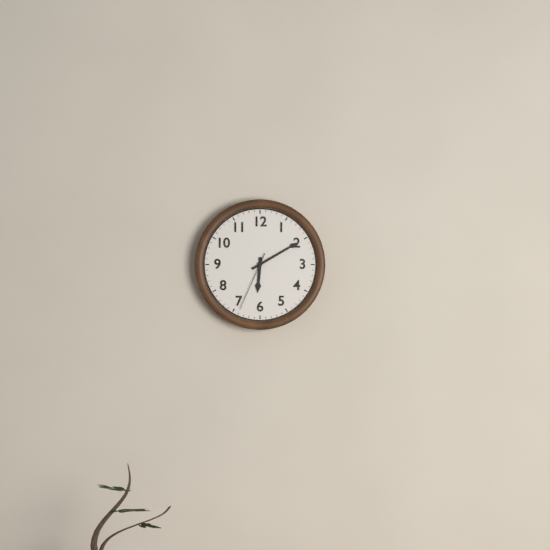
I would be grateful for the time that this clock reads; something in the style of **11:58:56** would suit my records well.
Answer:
**6:10:34**
